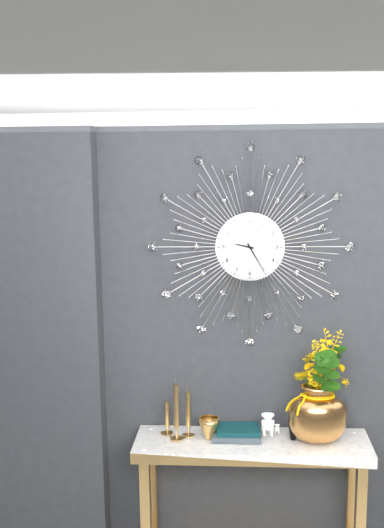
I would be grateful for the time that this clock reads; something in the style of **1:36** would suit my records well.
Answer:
**9:25**
